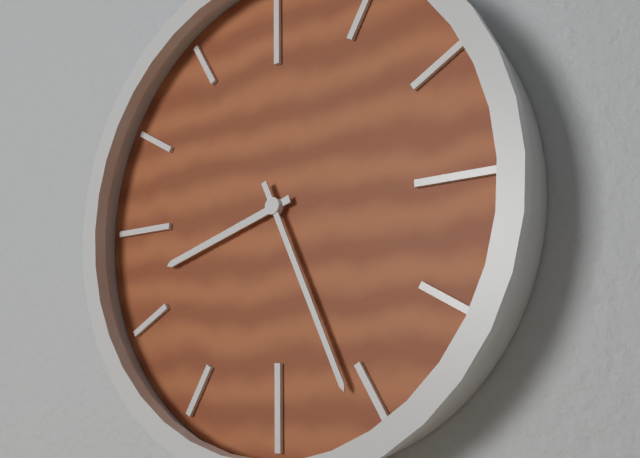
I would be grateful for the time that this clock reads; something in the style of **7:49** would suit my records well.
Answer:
**8:26**
